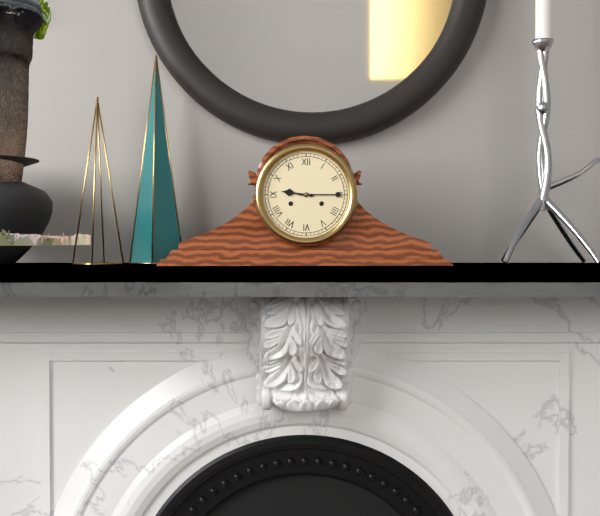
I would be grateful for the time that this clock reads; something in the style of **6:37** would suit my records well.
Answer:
**9:15**
